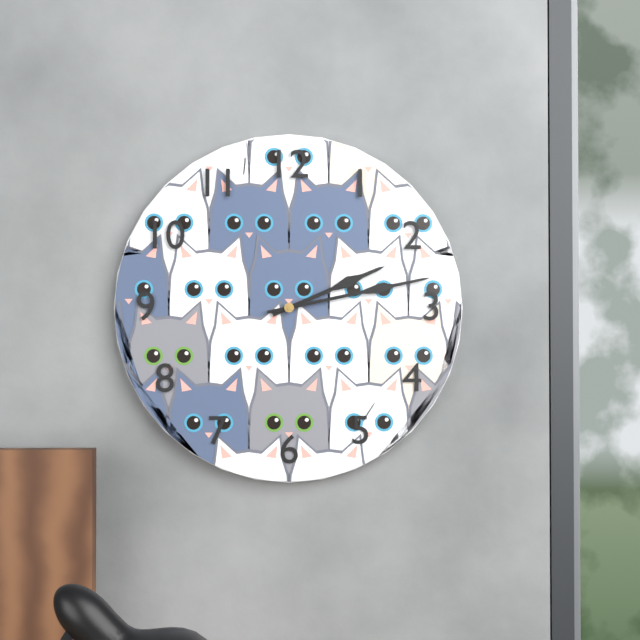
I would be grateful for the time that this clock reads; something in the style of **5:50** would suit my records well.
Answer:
**2:13**
